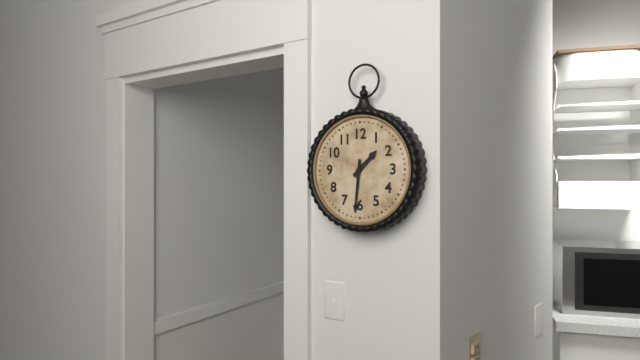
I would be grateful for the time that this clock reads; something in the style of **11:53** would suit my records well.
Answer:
**1:31**
